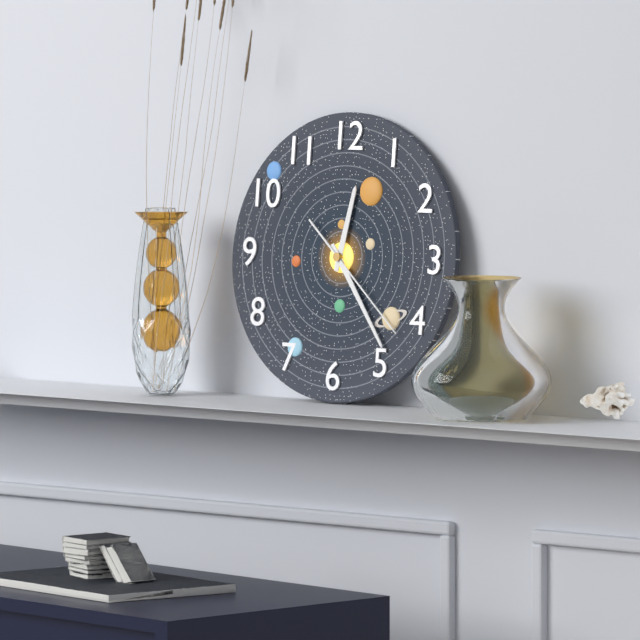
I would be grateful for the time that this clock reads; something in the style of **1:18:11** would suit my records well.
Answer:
**12:24:22**
